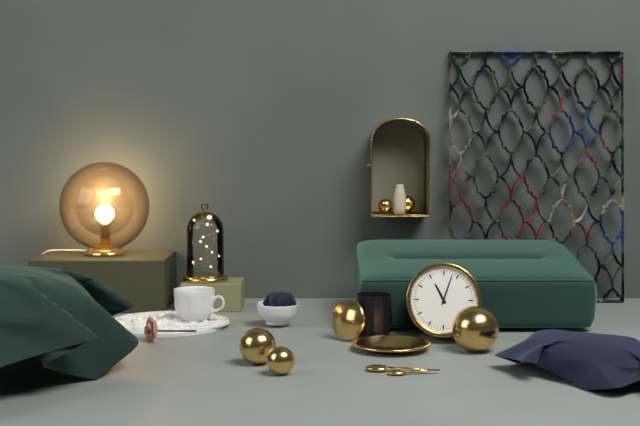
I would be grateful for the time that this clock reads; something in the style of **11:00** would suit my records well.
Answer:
**11:03**
